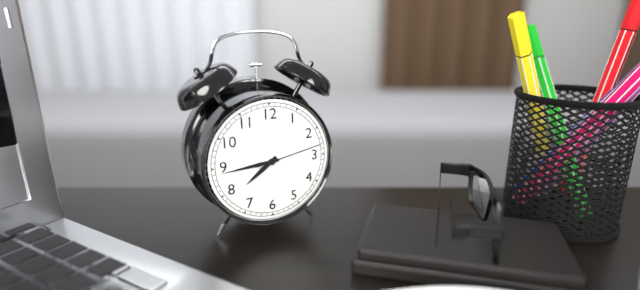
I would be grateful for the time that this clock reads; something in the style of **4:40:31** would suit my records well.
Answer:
**7:44:13**
